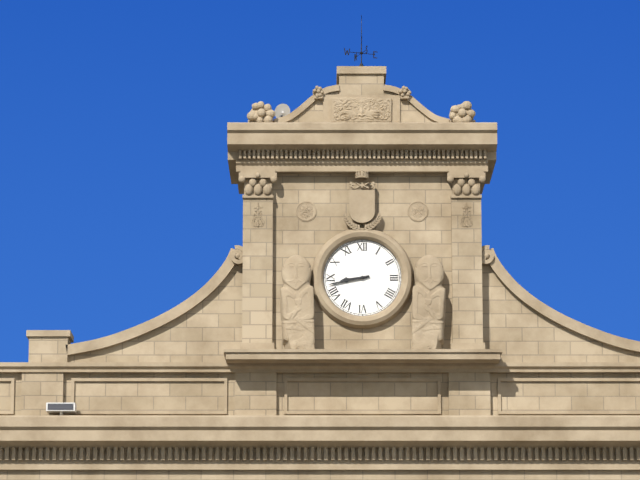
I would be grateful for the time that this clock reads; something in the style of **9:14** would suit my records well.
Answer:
**8:43**
